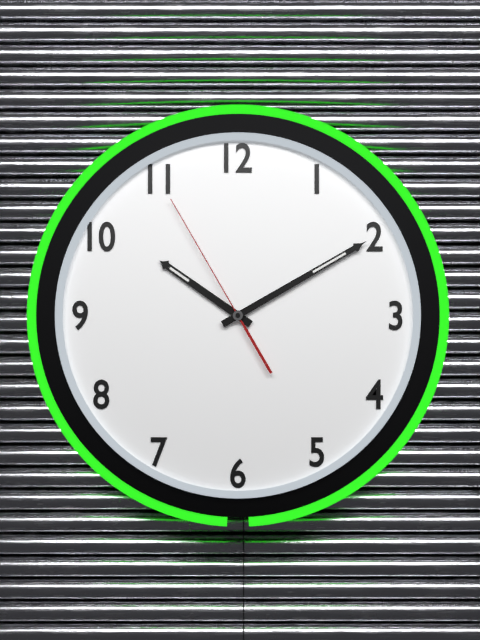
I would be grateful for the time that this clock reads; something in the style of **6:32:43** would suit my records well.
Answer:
**10:10:55**
